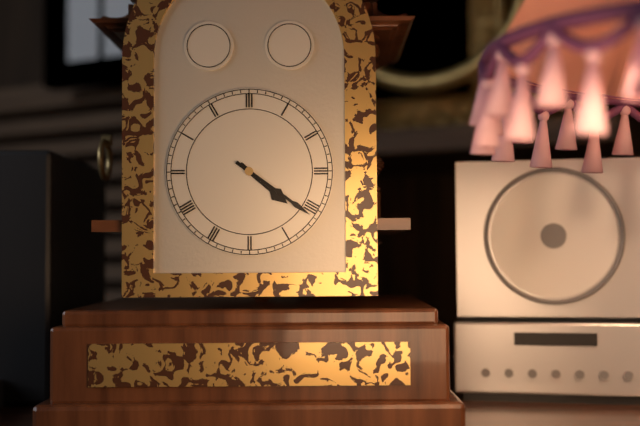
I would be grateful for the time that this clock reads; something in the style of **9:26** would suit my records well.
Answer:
**4:21**
